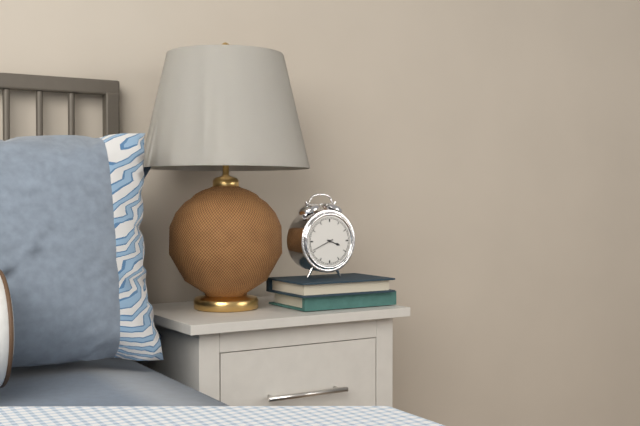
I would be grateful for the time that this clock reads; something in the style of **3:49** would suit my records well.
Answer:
**3:41**
